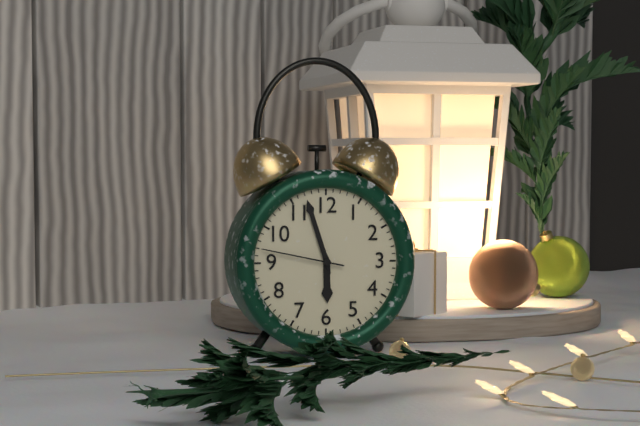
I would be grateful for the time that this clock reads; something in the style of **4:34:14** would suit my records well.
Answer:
**5:57:47**
